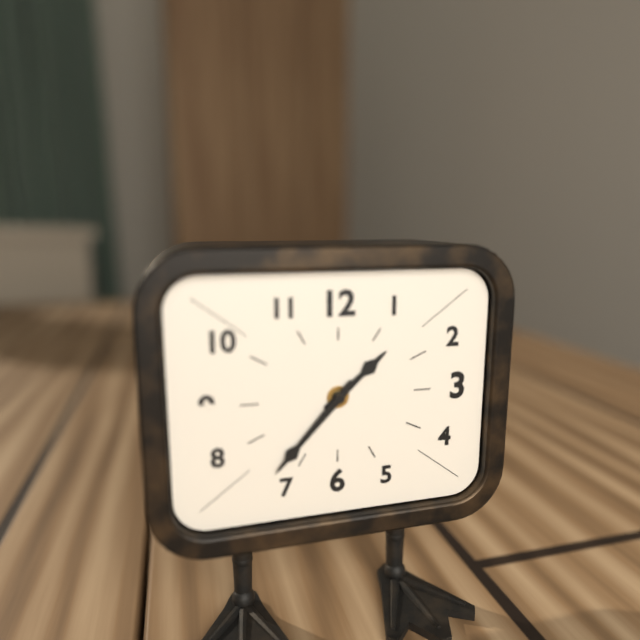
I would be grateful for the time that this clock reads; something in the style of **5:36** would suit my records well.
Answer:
**1:37**
